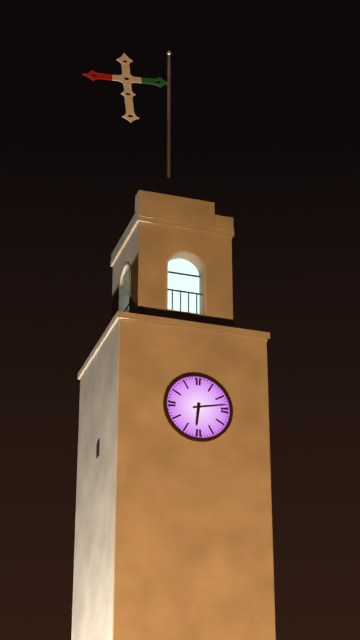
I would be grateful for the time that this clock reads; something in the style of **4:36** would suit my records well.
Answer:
**6:13**
